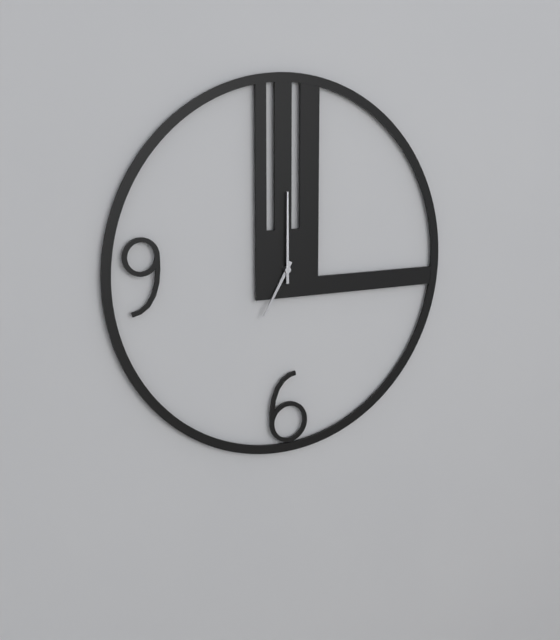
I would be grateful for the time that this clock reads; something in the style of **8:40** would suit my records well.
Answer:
**7:00**
